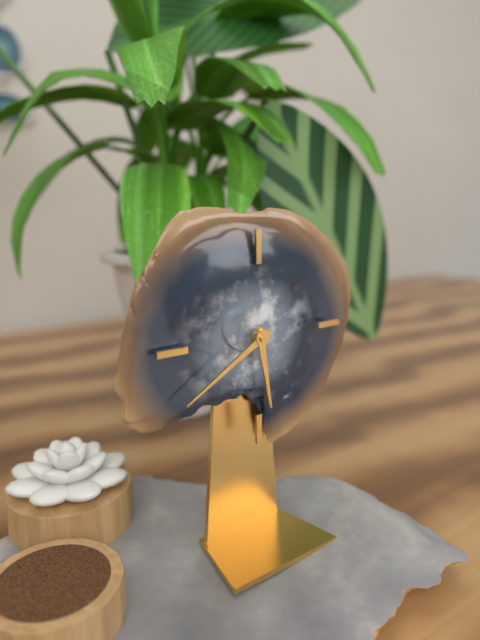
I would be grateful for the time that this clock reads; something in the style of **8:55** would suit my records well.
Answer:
**5:40**
